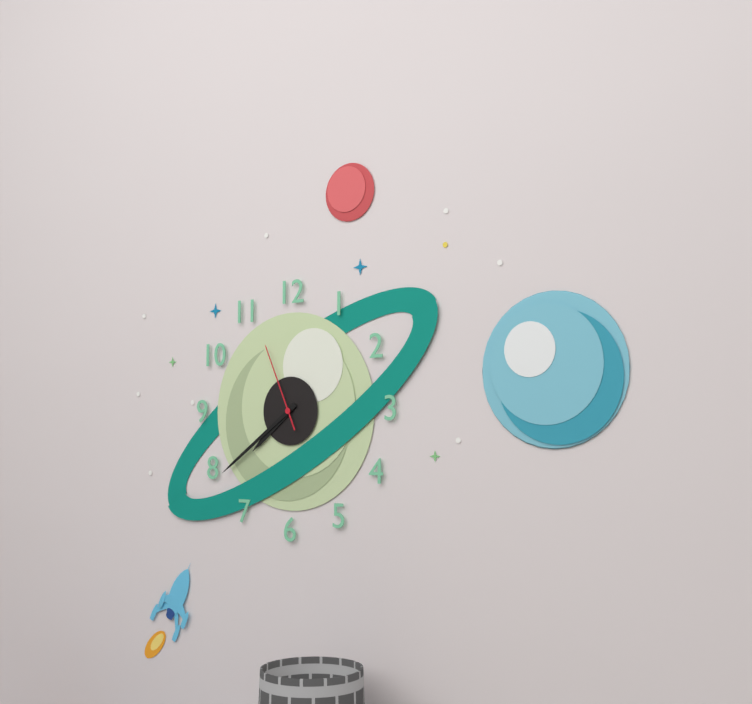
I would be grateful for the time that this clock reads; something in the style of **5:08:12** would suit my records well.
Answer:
**7:39:56**
